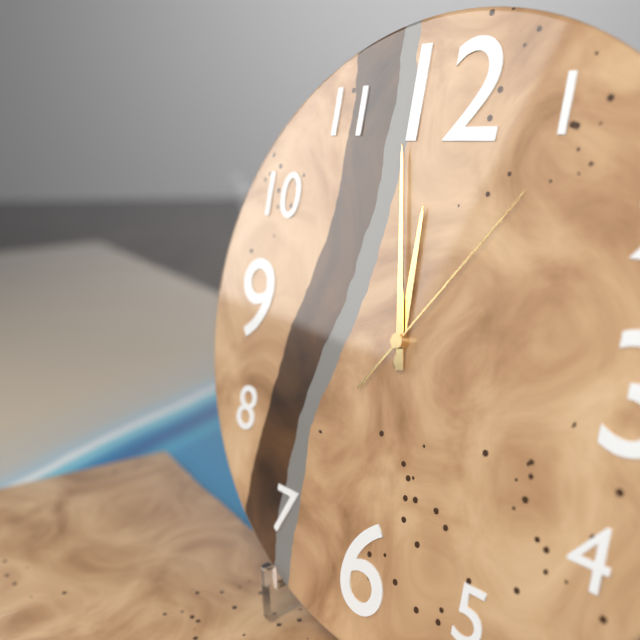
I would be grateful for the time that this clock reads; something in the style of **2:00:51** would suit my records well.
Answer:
**11:58:06**
